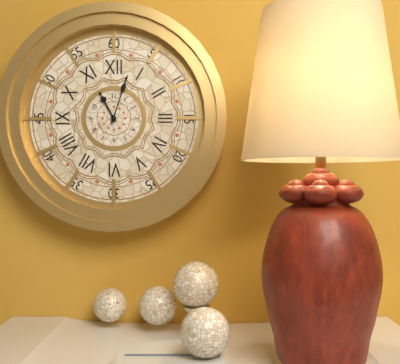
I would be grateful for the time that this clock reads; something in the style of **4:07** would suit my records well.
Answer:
**11:03**
